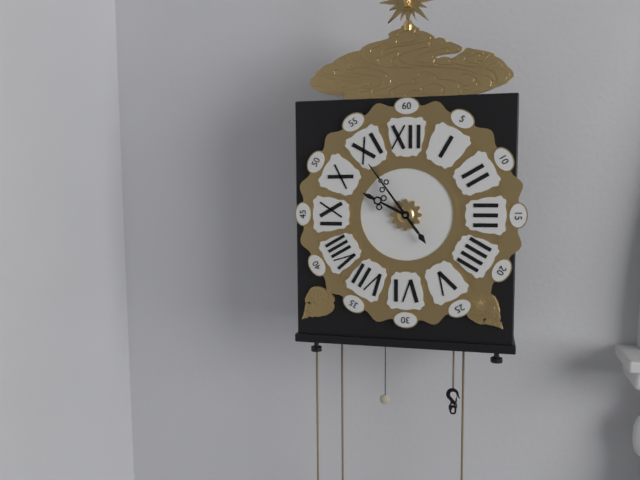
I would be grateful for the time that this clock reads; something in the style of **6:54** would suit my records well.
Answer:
**9:54**
